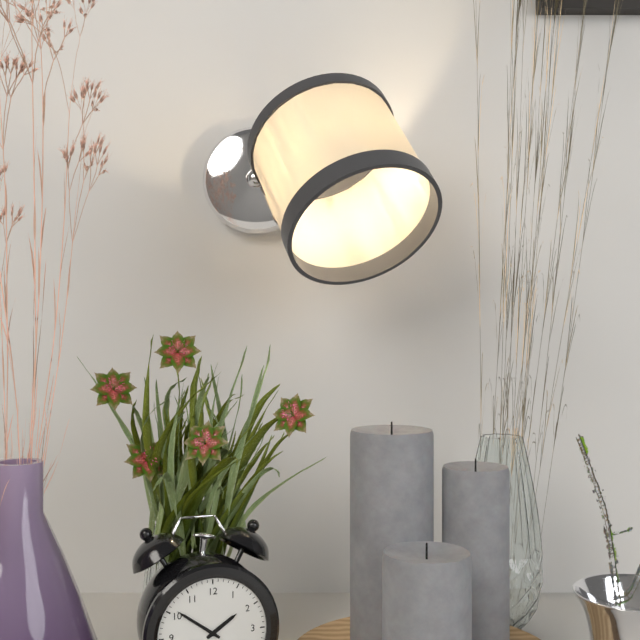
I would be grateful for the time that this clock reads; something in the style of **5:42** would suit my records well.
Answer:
**1:51**
